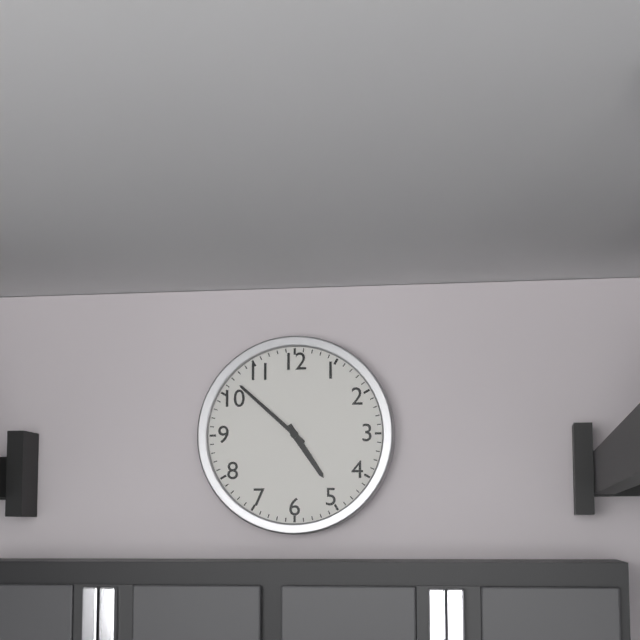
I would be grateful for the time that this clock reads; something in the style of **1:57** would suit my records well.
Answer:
**4:52**
